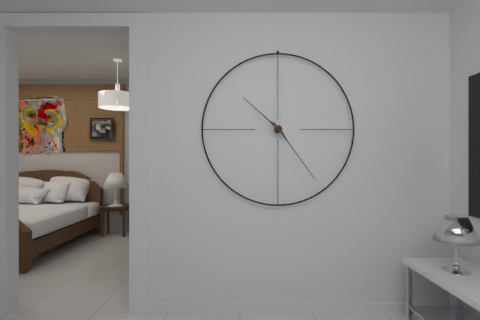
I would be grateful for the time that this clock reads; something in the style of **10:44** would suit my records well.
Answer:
**10:24**
